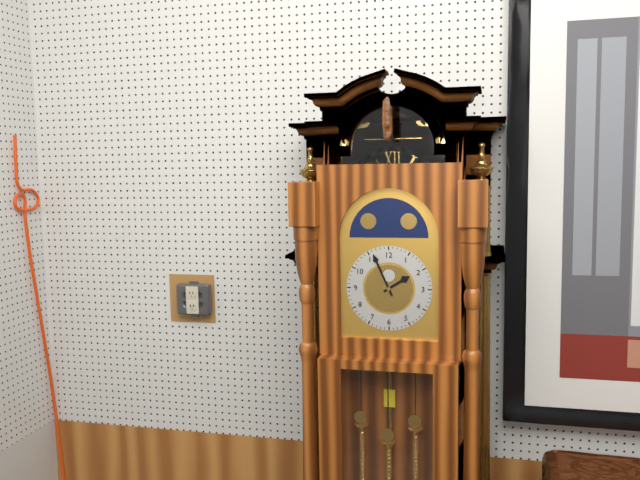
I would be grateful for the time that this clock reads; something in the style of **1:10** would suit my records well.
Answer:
**1:56**
